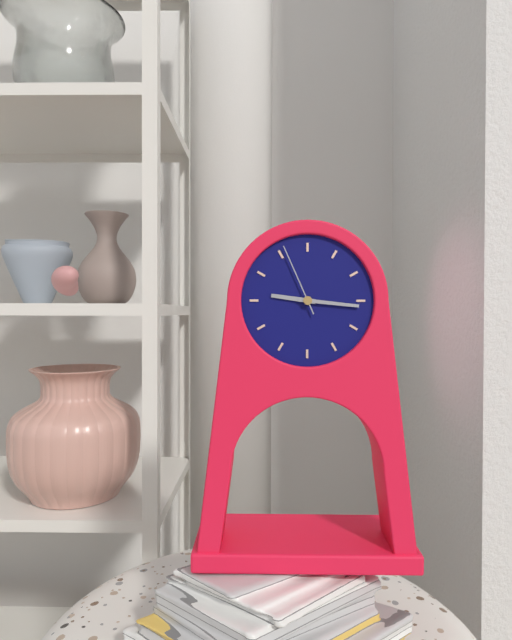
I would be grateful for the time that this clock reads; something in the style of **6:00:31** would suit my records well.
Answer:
**9:16:56**
